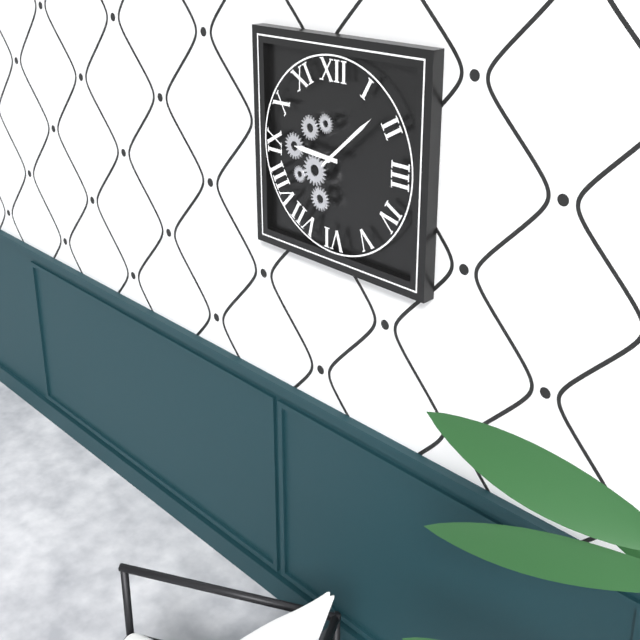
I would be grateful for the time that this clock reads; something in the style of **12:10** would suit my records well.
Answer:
**9:08**
